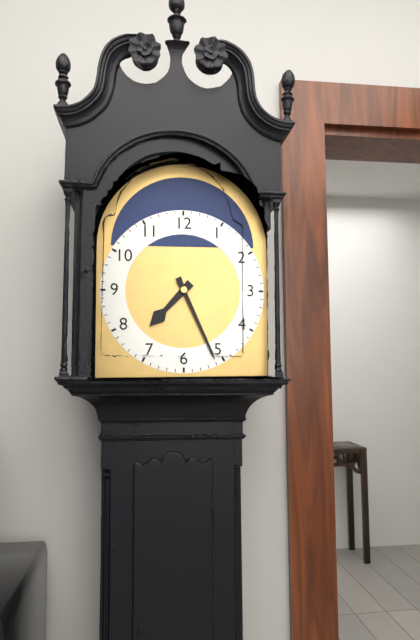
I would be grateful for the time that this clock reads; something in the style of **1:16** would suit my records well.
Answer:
**7:26**
